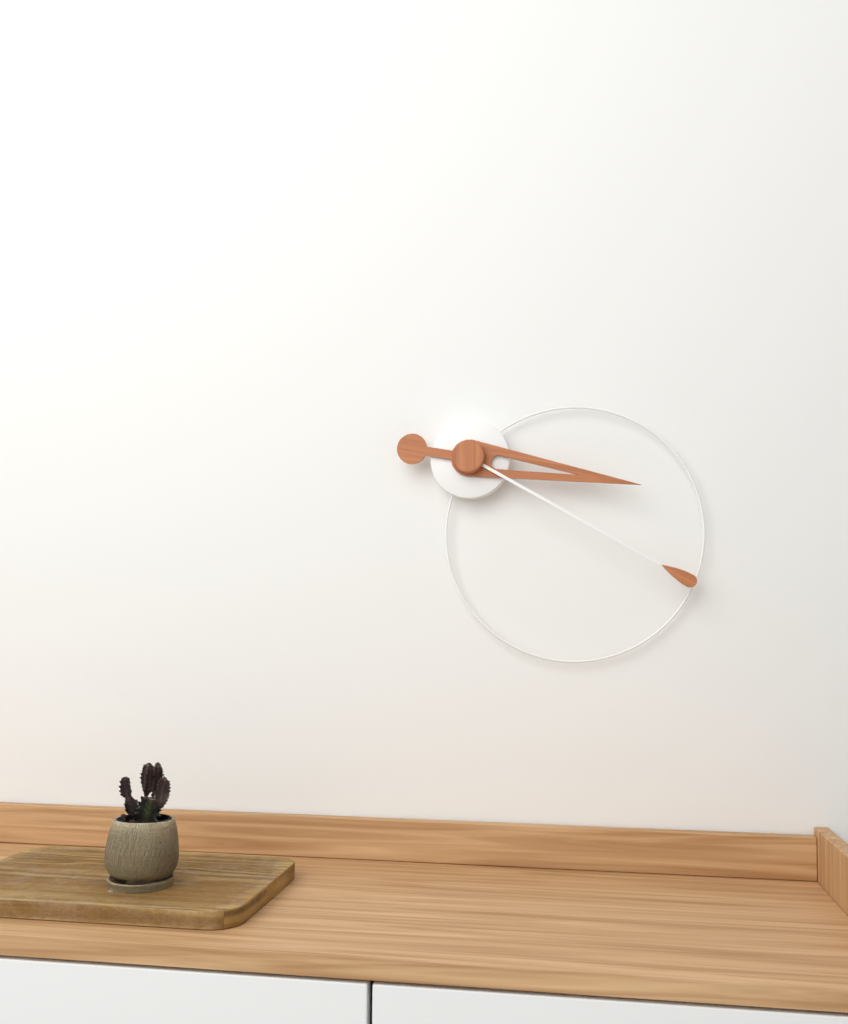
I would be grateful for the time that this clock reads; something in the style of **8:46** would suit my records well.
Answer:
**3:20**
